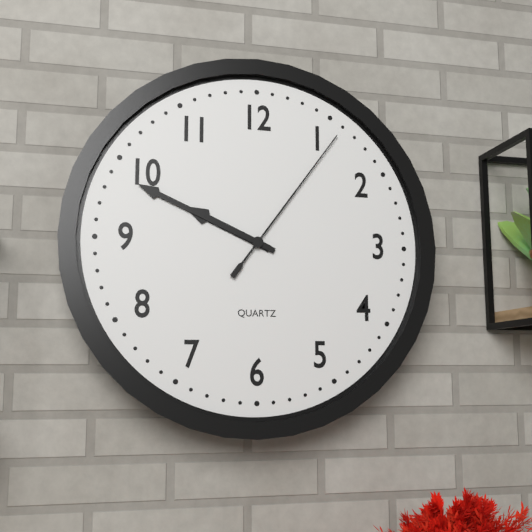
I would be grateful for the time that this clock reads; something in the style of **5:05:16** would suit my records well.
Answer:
**9:49:06**
